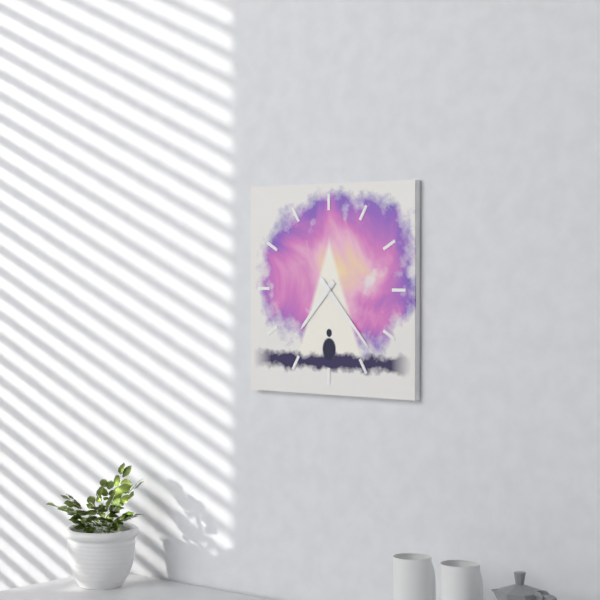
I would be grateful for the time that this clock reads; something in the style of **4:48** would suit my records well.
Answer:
**7:23**
